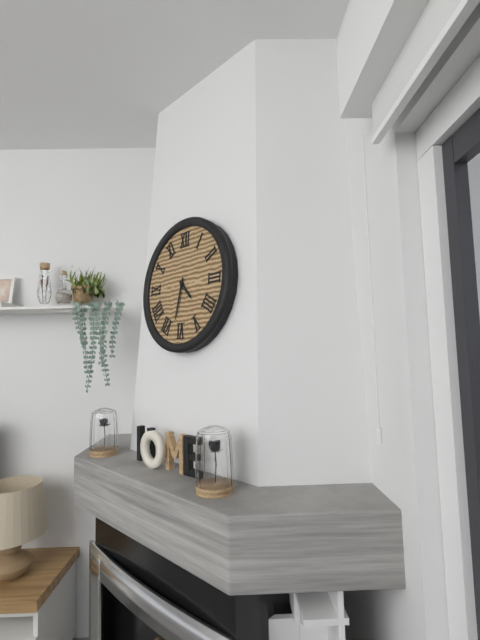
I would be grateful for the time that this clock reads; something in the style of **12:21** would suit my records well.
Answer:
**4:32**
